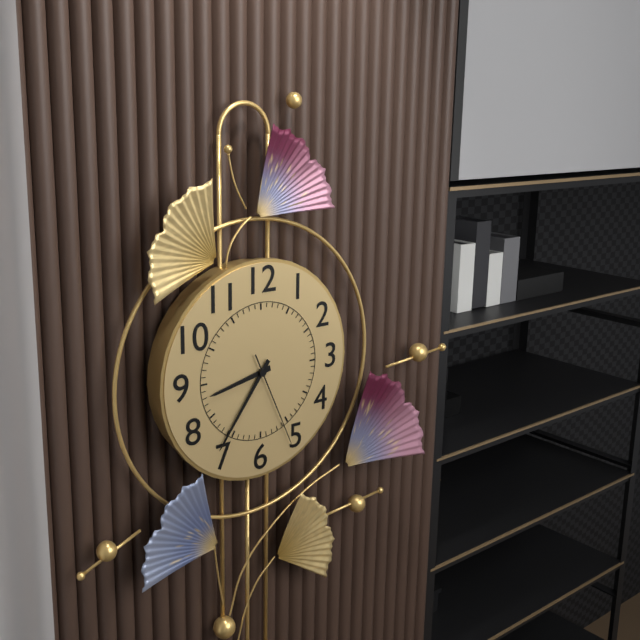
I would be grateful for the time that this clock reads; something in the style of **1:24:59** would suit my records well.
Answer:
**8:36:26**
